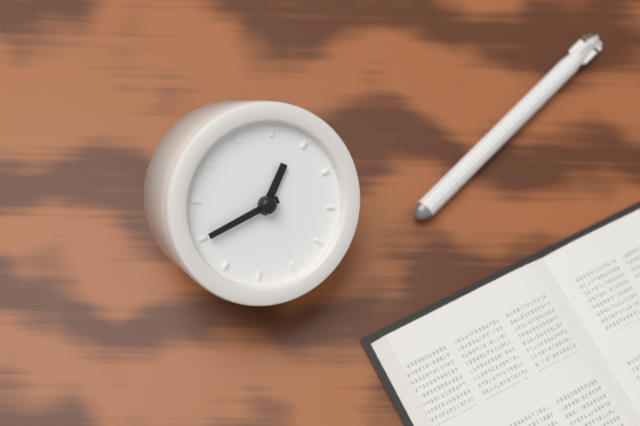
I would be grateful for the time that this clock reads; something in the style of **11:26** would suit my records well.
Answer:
**12:40**
